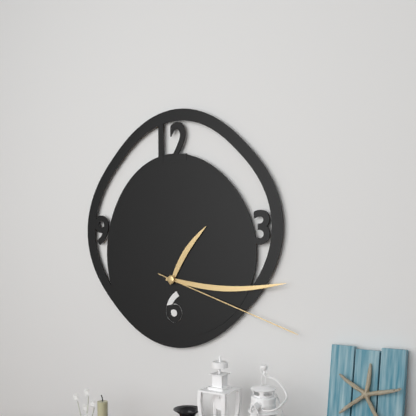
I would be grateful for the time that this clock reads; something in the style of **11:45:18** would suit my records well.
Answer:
**1:15:18**
